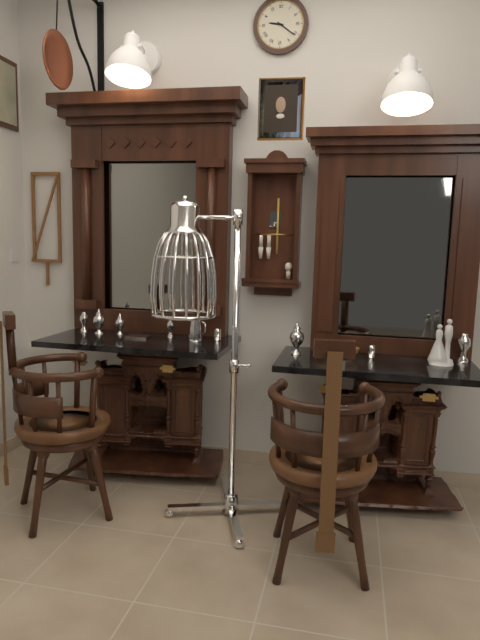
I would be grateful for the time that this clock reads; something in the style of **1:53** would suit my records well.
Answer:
**9:21**
